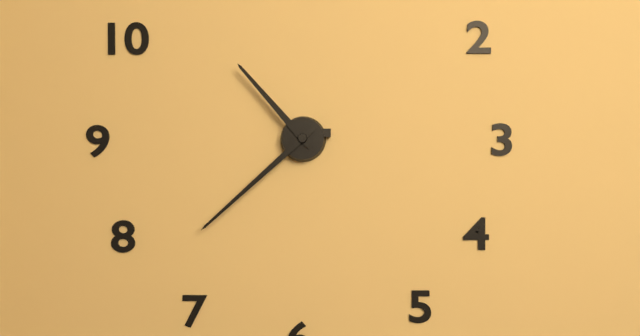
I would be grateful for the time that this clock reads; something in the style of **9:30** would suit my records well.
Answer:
**10:38**
